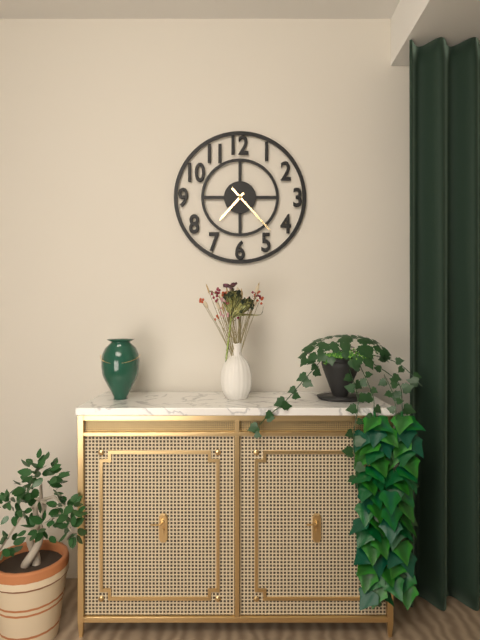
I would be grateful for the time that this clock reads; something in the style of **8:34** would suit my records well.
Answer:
**7:23**
